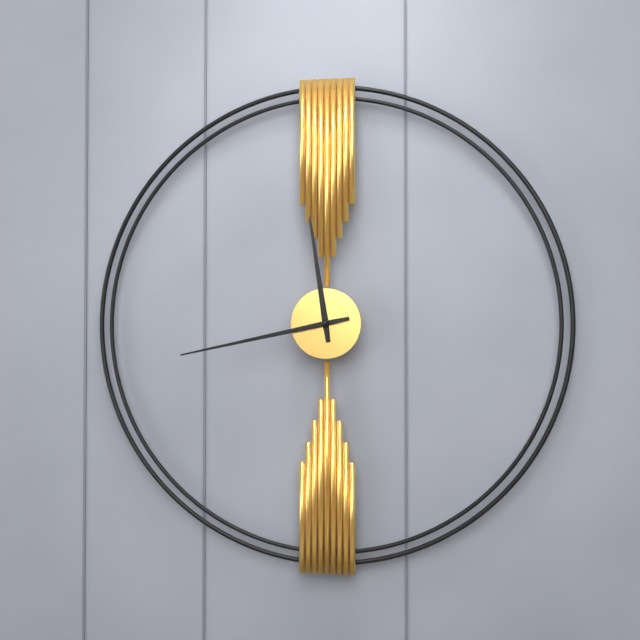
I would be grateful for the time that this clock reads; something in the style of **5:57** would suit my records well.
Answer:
**11:43**
